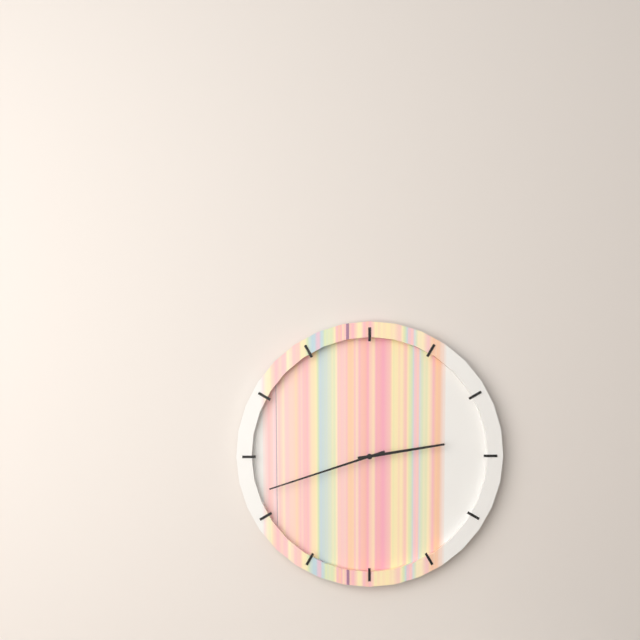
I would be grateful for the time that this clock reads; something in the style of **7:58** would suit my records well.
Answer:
**2:42**
